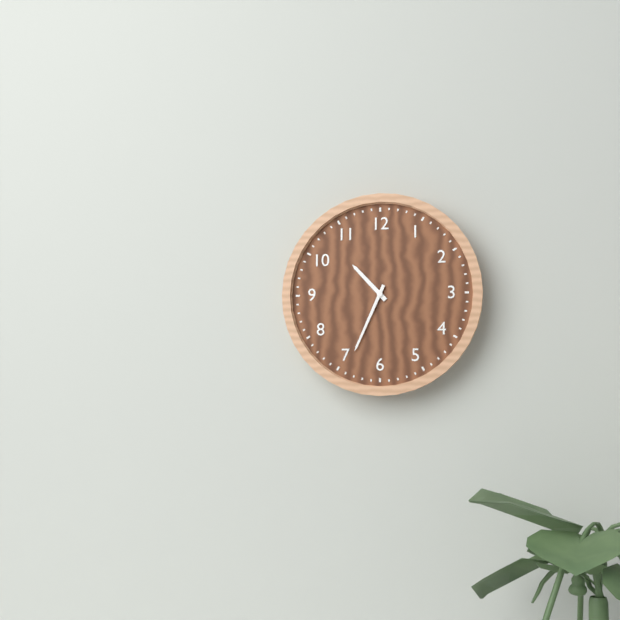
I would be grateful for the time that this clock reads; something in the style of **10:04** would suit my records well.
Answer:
**10:34**
